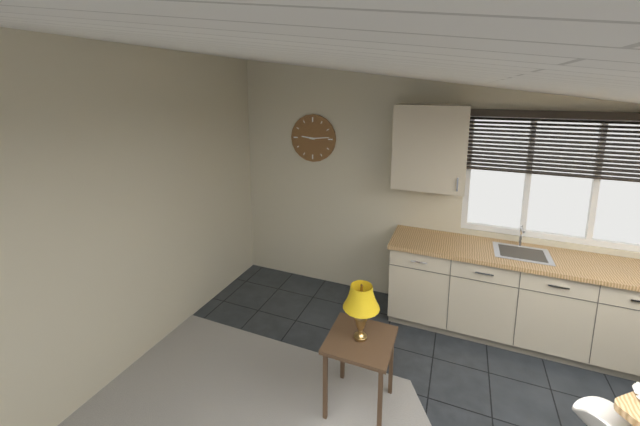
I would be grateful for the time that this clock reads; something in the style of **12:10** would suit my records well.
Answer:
**9:14**
